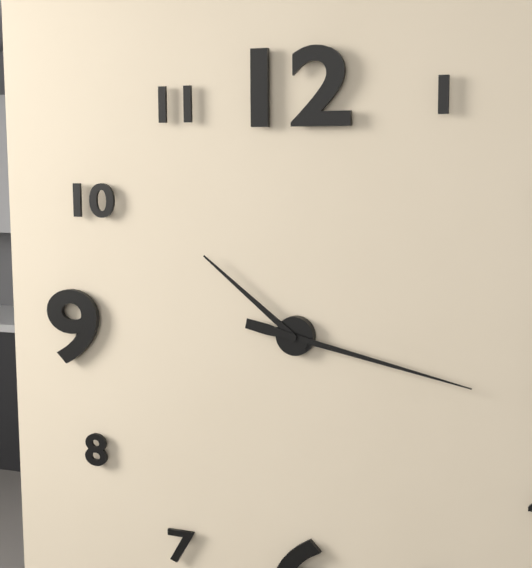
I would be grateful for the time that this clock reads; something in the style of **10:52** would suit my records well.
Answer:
**10:17**
